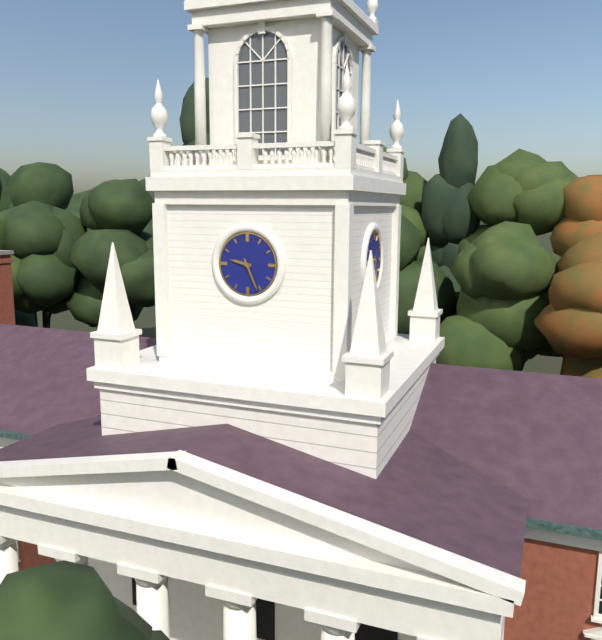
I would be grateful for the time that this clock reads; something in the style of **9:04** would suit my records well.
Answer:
**9:26**
